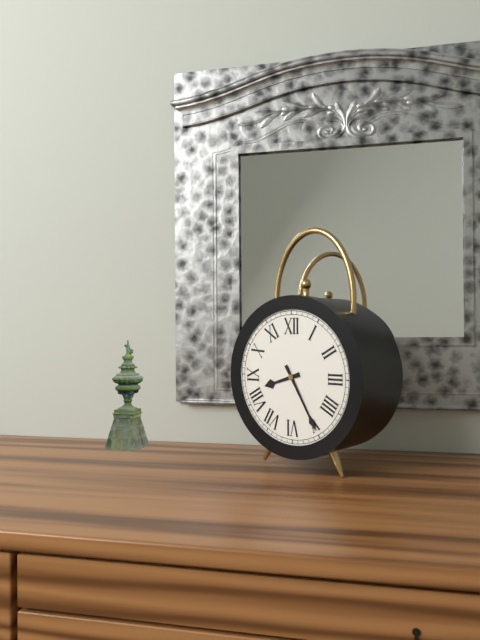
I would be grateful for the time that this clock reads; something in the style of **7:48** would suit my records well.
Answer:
**8:25**
